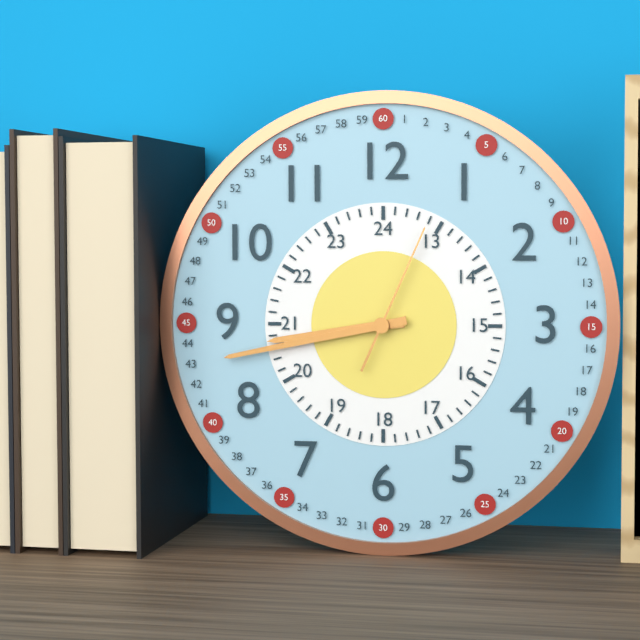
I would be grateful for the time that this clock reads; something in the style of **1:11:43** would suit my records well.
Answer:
**8:43:04**
